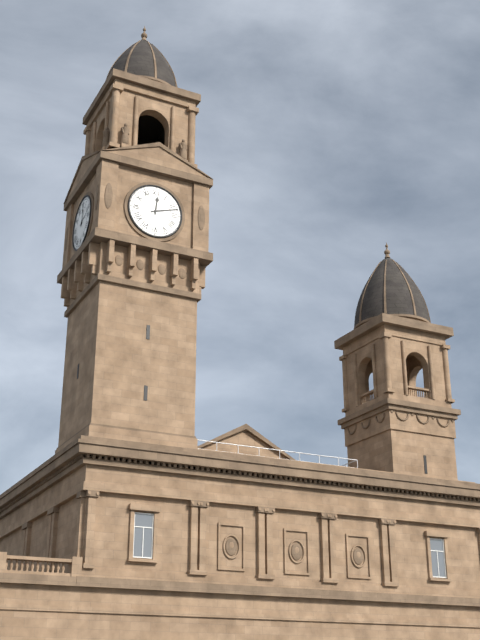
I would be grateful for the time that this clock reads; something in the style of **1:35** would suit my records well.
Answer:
**12:12**
